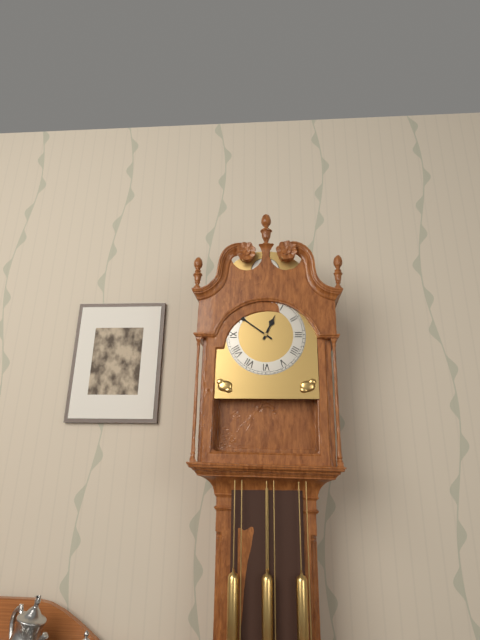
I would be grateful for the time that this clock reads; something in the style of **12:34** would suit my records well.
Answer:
**12:51**
